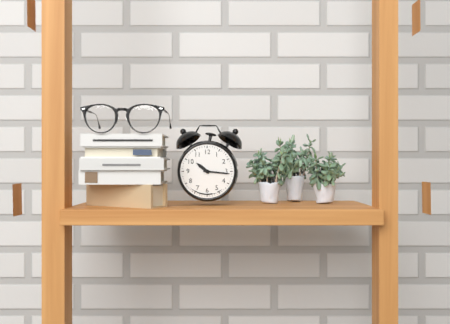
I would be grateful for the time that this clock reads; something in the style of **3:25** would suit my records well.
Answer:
**10:16**
